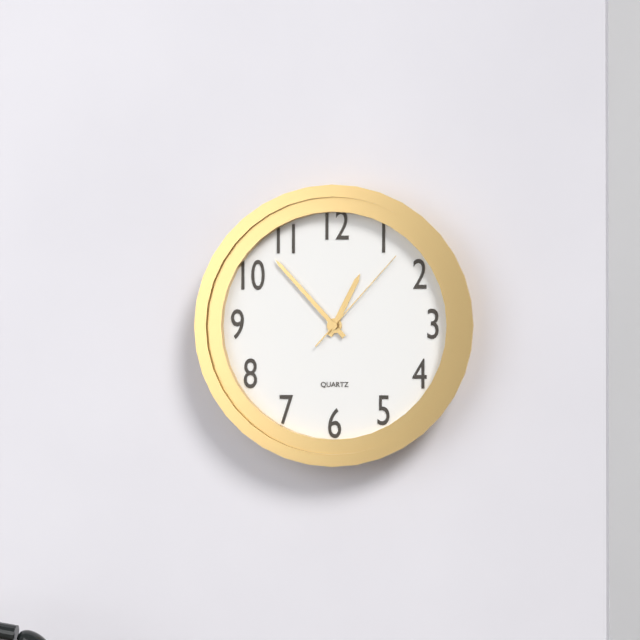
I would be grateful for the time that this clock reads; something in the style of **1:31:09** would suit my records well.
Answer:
**12:53:07**
